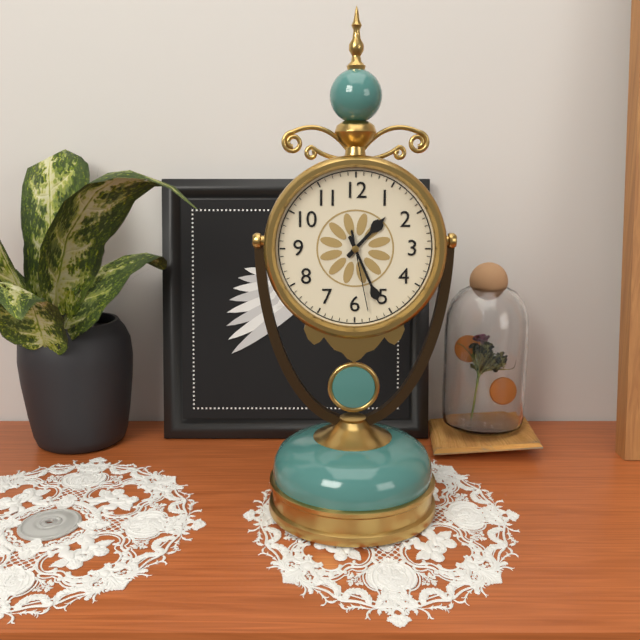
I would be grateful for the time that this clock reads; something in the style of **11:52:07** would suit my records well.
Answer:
**1:26:28**
